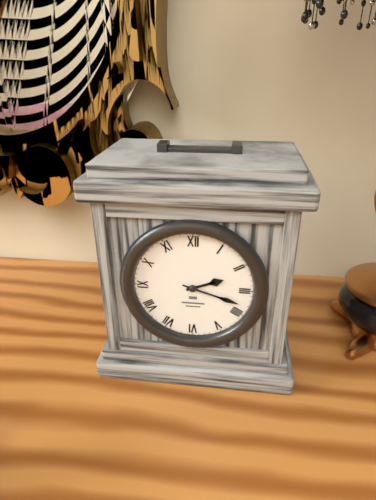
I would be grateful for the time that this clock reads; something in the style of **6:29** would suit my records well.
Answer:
**2:18**
